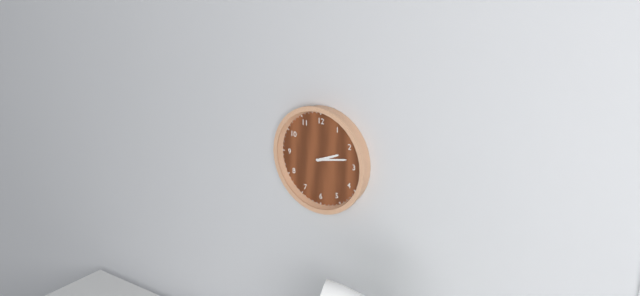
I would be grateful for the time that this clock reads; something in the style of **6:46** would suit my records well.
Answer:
**2:13**
